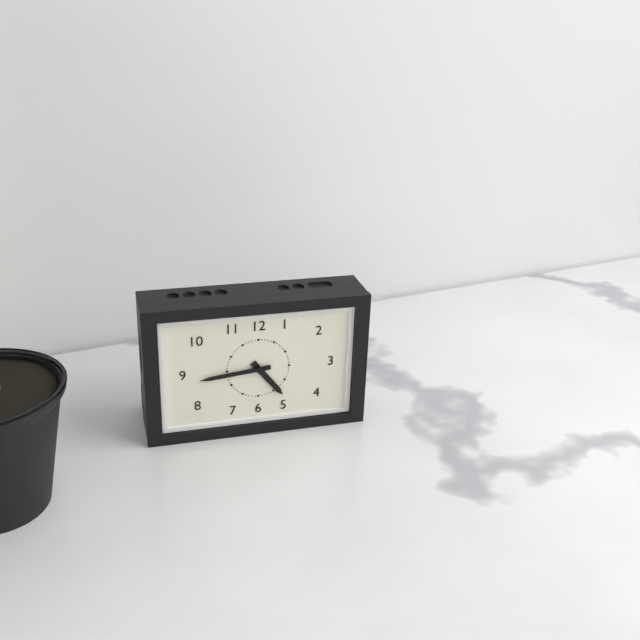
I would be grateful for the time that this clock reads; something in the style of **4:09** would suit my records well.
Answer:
**4:44**
